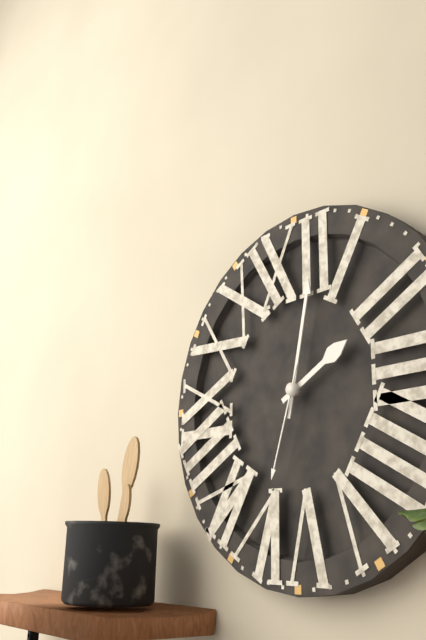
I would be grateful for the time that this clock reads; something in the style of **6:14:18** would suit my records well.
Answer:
**2:02:33**
